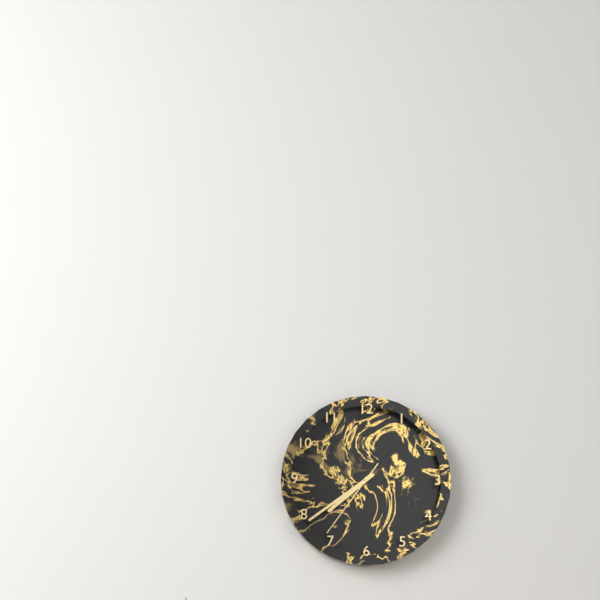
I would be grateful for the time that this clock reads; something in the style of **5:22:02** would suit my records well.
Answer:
**7:39:36**
